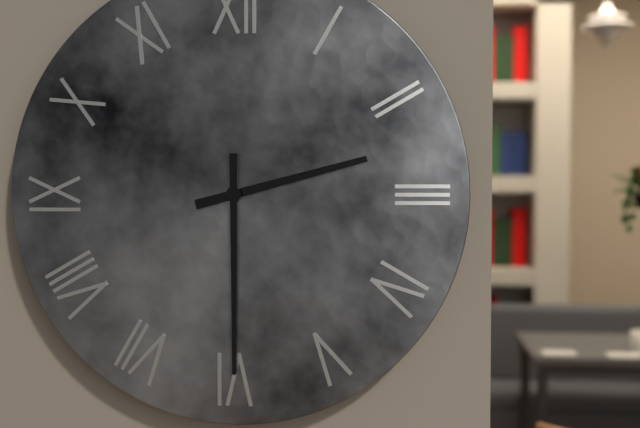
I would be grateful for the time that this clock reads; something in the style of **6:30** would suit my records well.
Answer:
**2:30**
